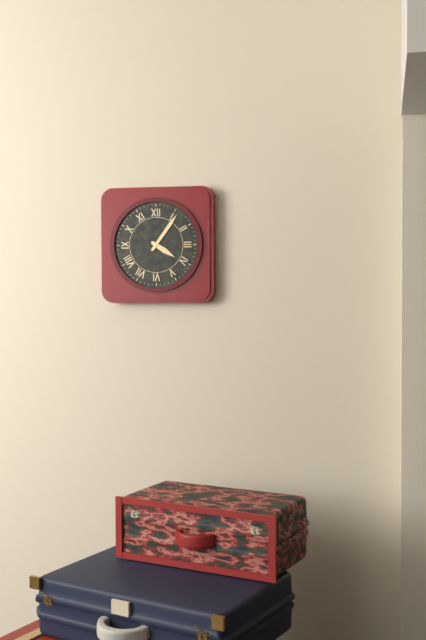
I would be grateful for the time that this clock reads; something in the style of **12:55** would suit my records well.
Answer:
**4:06**
